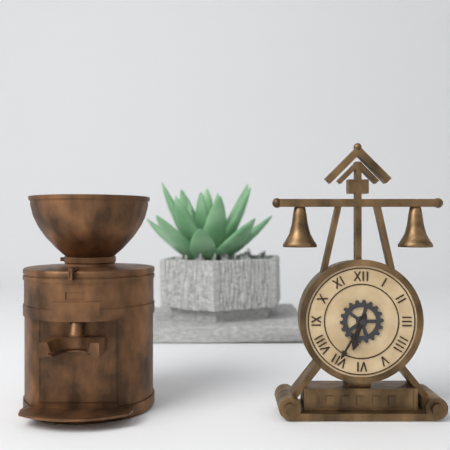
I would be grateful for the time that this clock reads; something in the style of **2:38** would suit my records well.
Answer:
**6:35**
